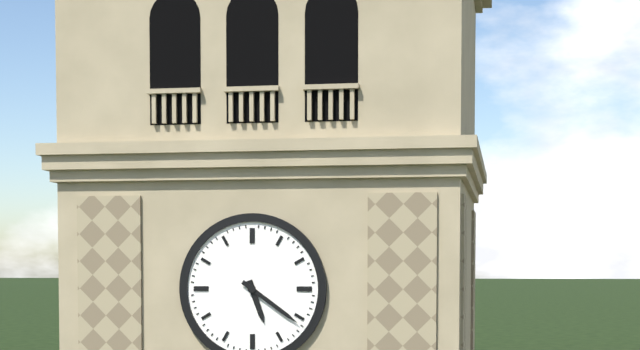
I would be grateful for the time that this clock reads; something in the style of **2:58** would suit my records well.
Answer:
**5:21**
